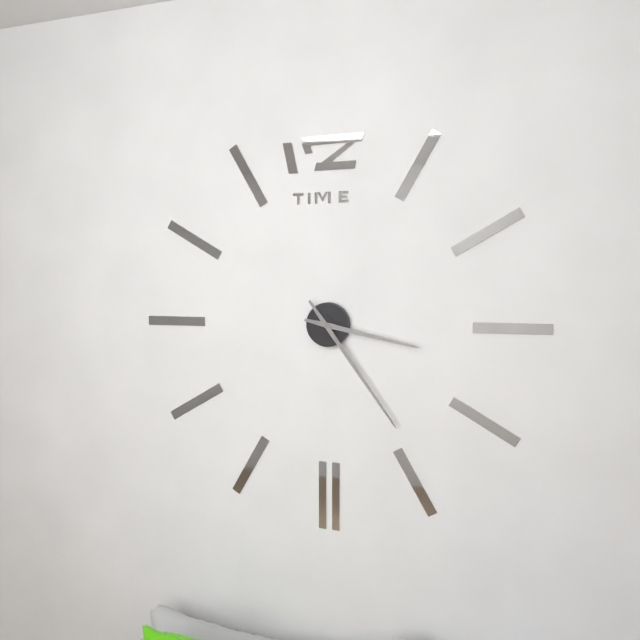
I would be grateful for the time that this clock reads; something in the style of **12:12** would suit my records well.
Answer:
**3:24**
